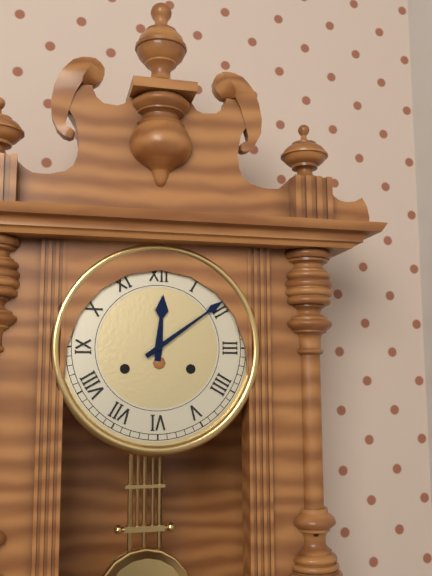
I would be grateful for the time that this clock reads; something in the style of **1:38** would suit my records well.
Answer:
**12:09**
